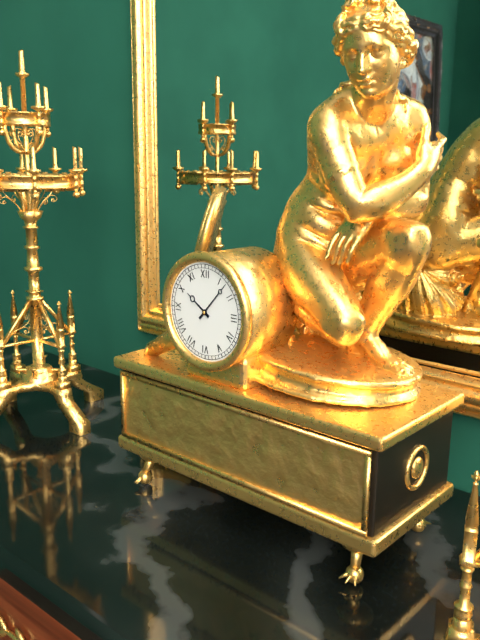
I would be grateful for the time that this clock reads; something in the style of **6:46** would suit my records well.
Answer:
**10:07**
